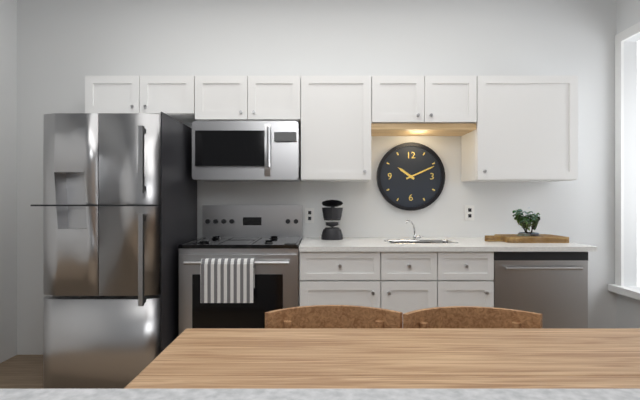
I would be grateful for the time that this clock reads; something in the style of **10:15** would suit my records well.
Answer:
**10:11**
